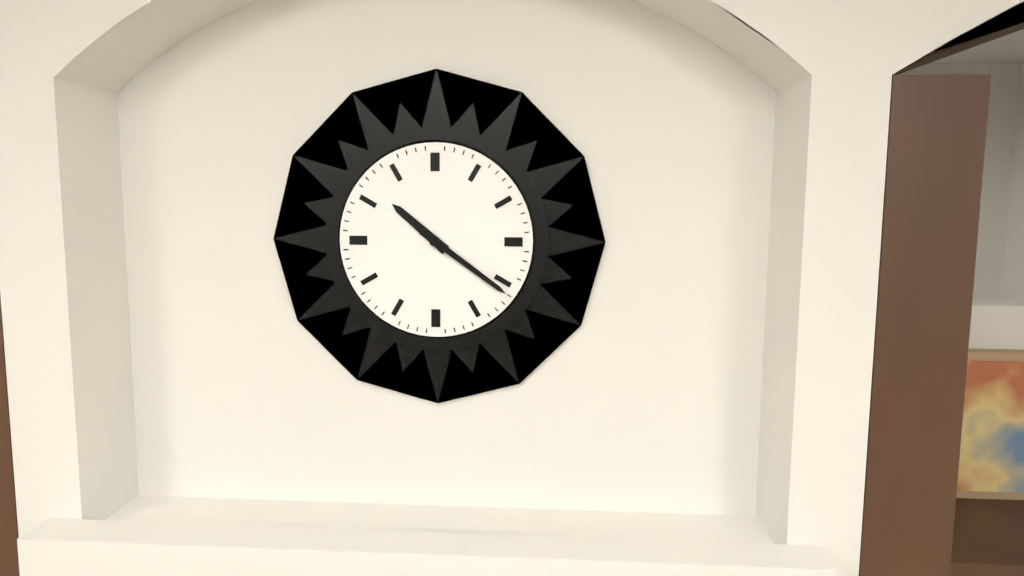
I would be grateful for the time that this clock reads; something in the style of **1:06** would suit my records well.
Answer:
**10:21**
